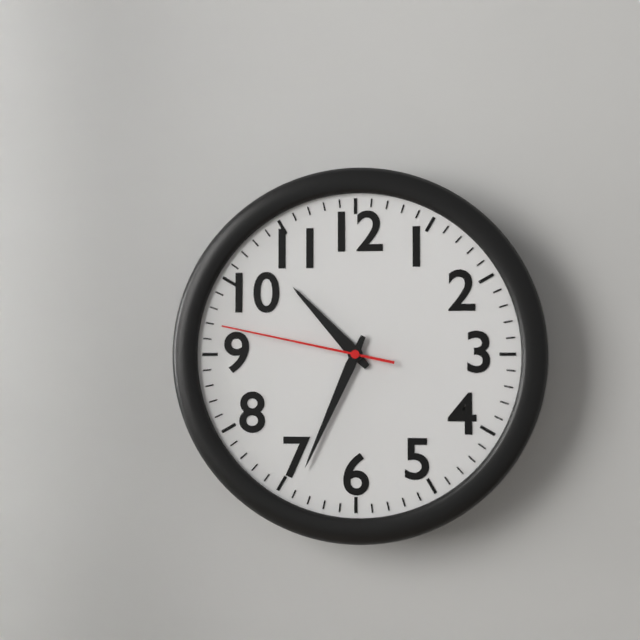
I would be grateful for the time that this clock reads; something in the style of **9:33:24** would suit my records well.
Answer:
**10:34:47**
